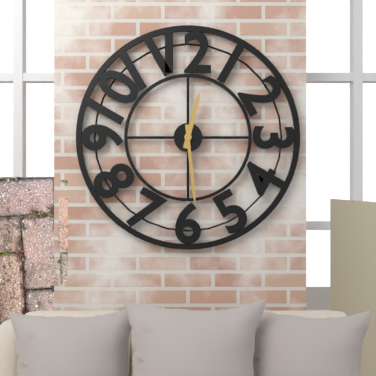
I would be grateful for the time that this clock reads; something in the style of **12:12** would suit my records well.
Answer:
**12:29**
